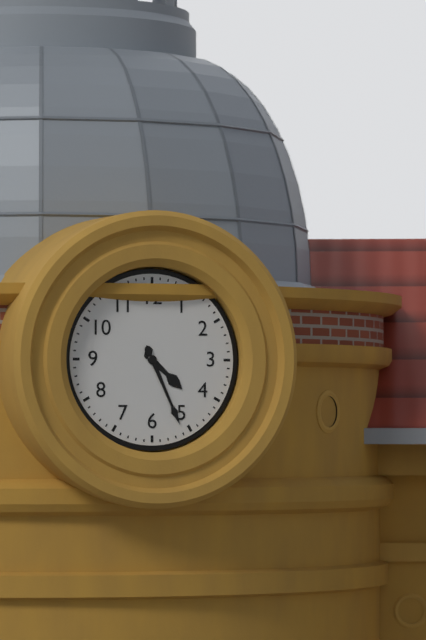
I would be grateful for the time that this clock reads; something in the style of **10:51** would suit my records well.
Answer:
**4:26**
